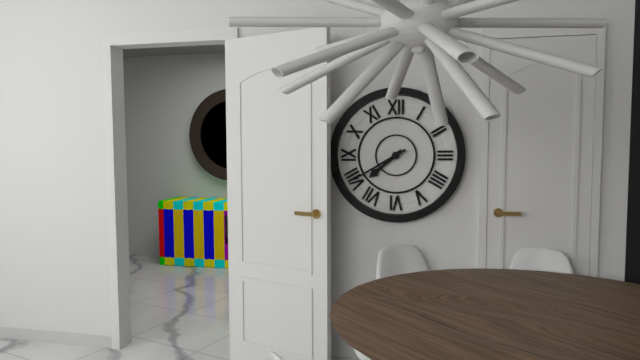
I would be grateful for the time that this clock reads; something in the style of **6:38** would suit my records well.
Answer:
**7:40**
